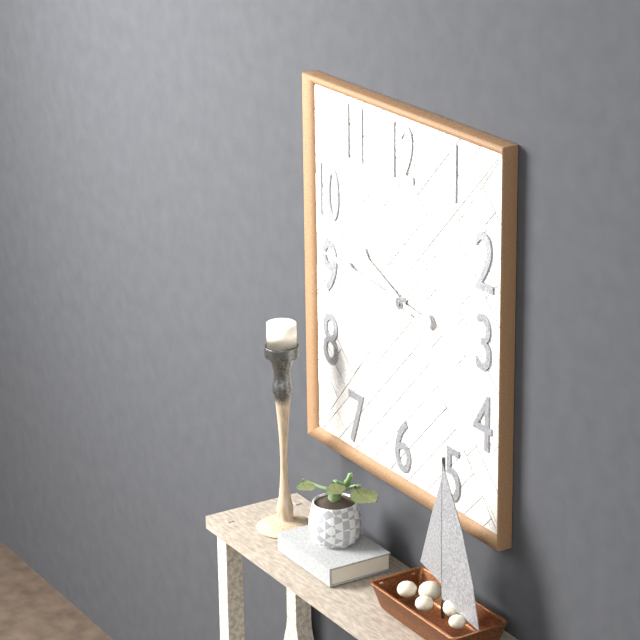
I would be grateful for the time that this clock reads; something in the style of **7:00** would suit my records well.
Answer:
**9:46**
